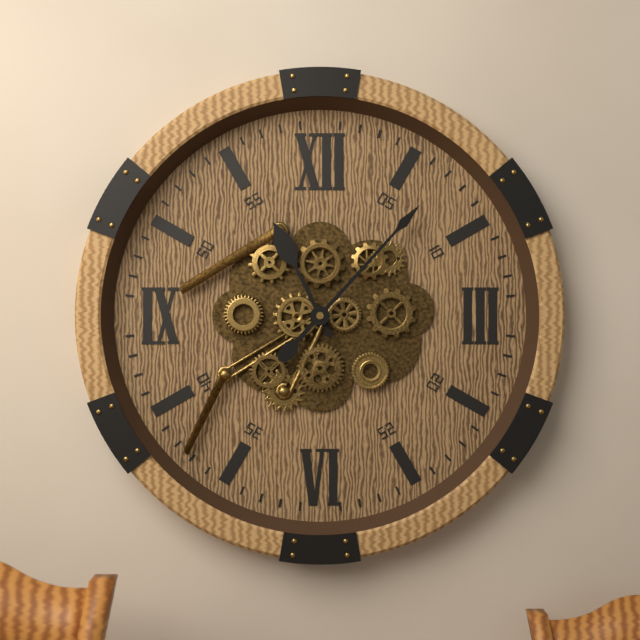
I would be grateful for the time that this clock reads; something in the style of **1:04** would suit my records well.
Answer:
**11:07**
